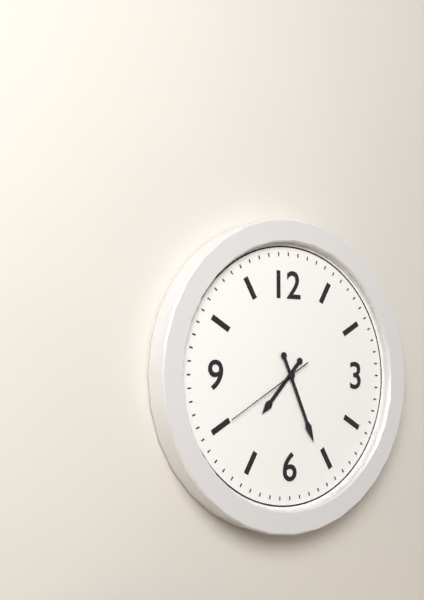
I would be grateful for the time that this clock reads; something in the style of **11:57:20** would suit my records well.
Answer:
**7:26:40**
